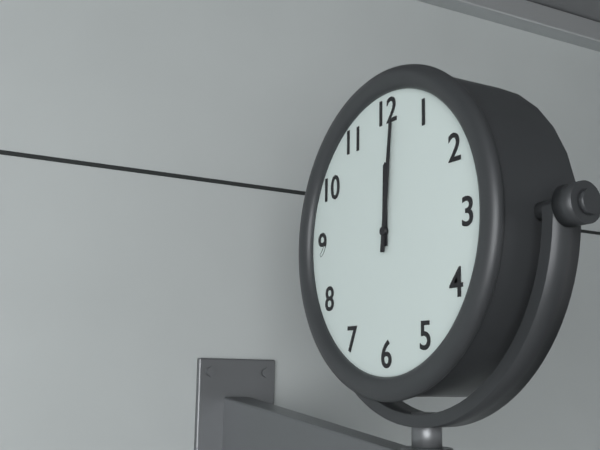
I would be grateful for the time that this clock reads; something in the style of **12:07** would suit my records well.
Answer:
**12:01**
